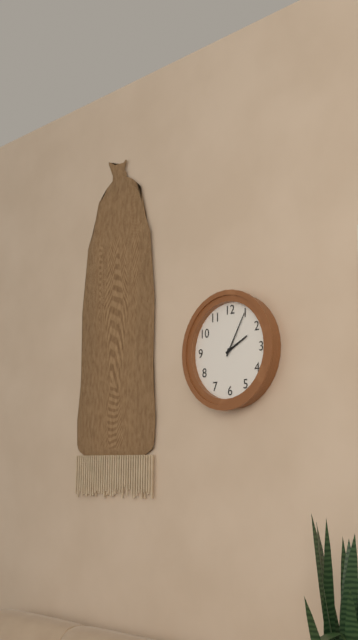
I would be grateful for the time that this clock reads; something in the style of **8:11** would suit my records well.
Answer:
**2:05**
